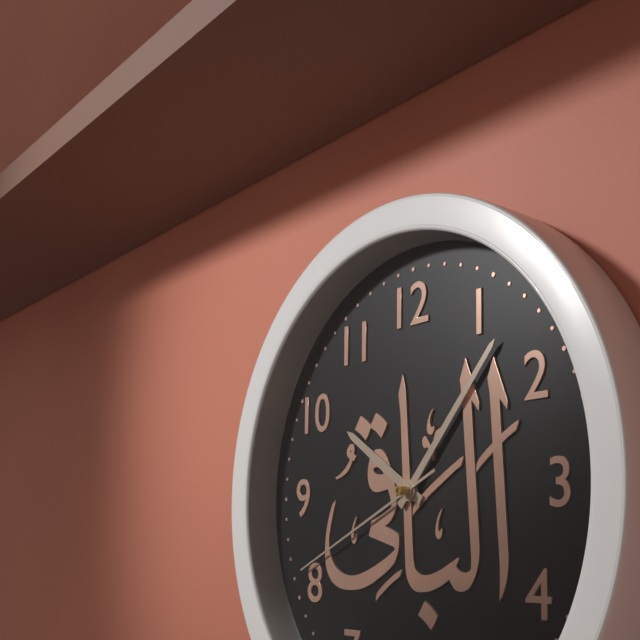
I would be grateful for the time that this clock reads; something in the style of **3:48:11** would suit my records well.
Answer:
**10:07:41**
